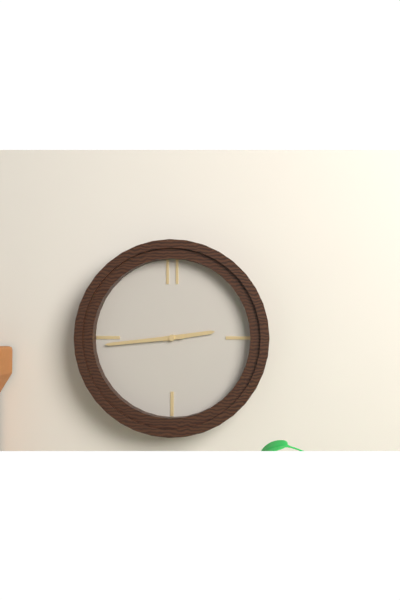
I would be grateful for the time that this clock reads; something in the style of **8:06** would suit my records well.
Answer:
**2:44**
